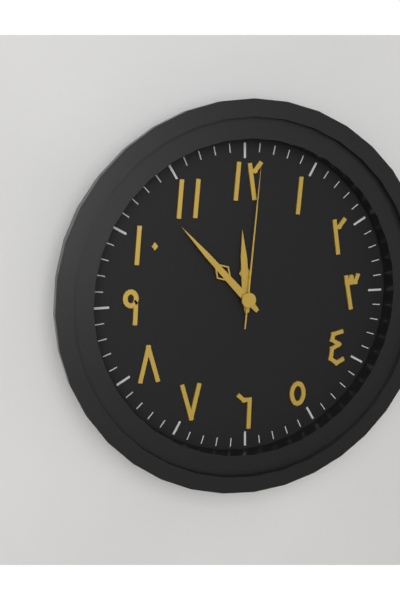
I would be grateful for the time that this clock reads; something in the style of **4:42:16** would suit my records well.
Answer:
**11:53:01**
